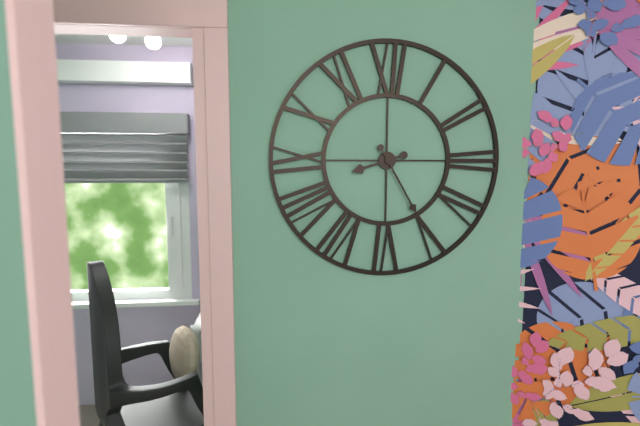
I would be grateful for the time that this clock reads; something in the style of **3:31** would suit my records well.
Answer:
**8:25**
